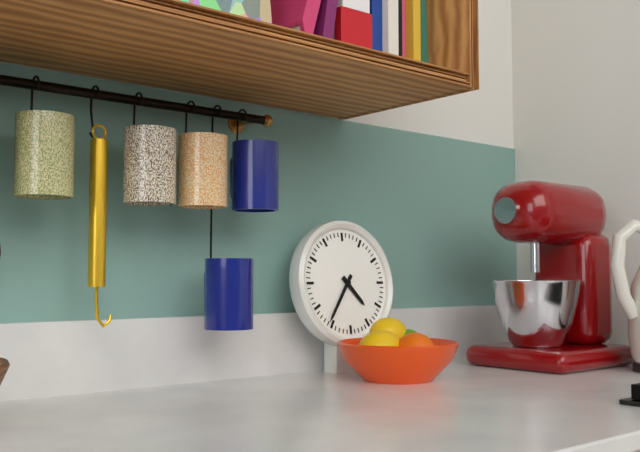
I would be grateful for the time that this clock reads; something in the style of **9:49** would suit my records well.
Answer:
**4:36**
